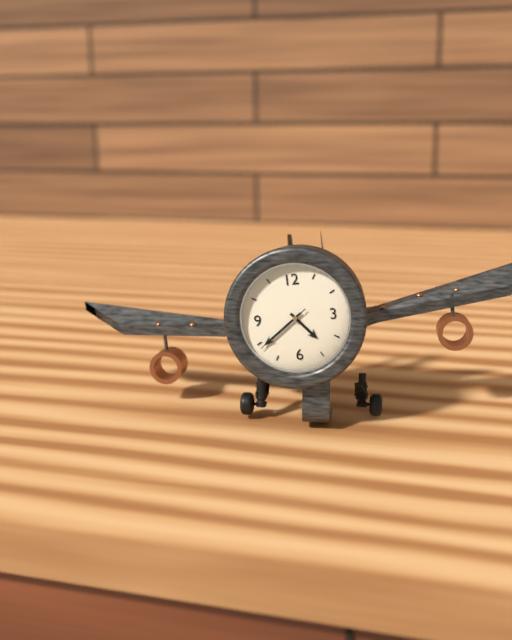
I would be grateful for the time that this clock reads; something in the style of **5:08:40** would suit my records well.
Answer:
**4:39:39**
